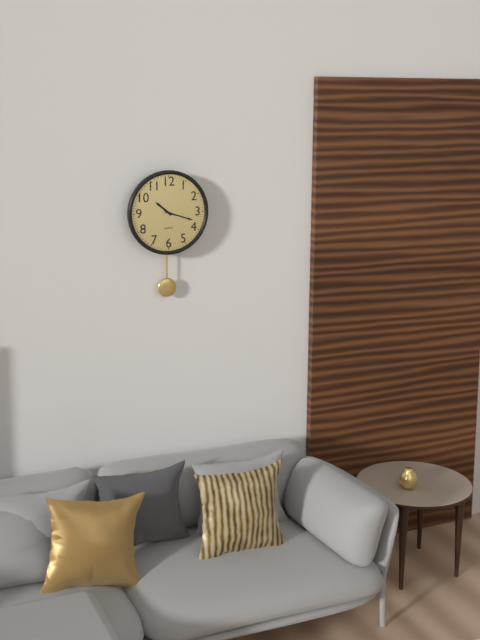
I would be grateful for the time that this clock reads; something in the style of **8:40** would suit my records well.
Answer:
**10:18**
